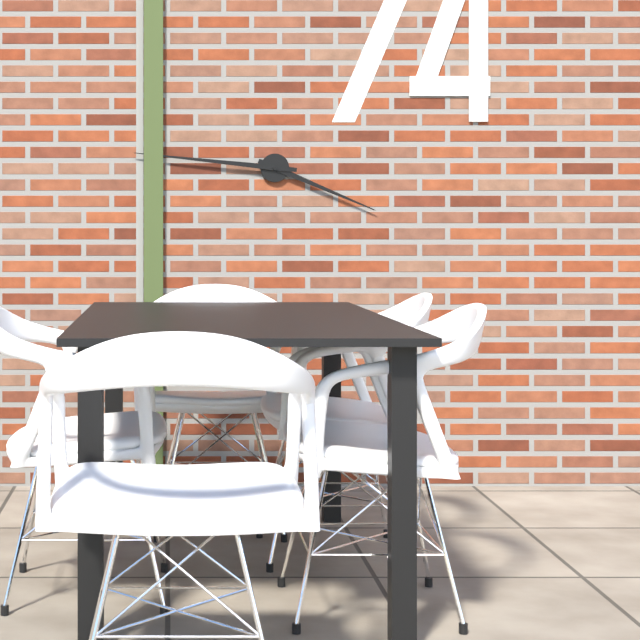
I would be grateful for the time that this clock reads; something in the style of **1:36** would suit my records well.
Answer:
**3:46**
